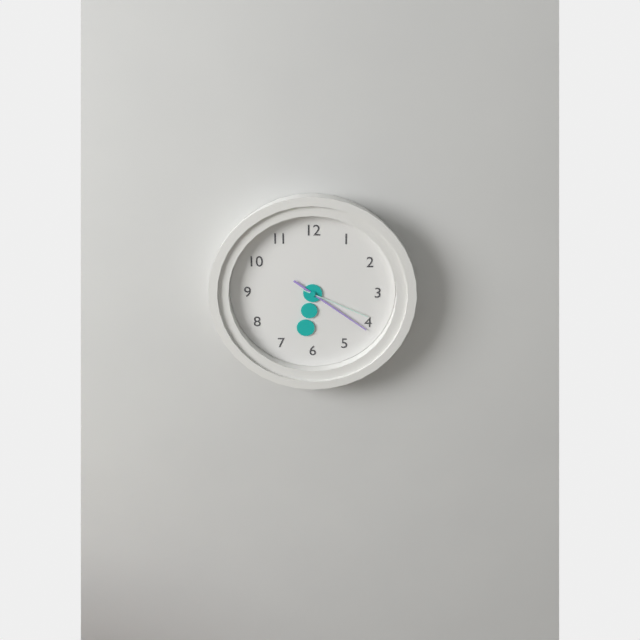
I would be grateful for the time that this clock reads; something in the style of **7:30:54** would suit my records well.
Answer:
**6:21:19**
